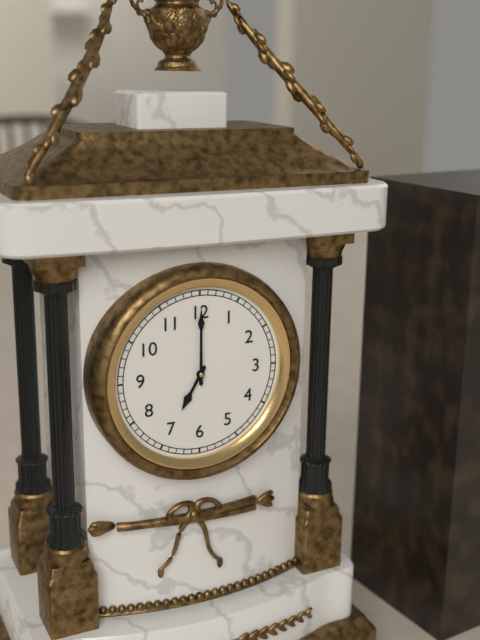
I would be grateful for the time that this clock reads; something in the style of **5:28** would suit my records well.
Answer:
**7:00**
